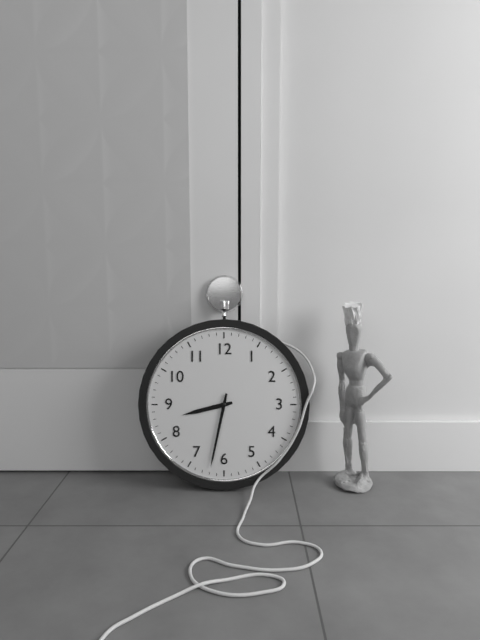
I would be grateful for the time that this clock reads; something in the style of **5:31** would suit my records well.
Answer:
**8:32**
